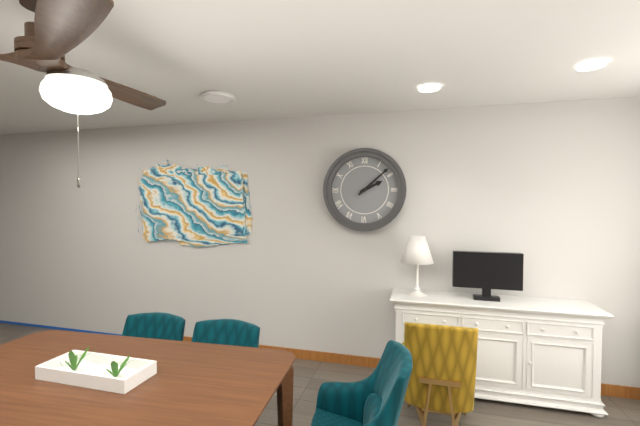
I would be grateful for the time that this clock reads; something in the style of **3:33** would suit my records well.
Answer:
**2:08**
